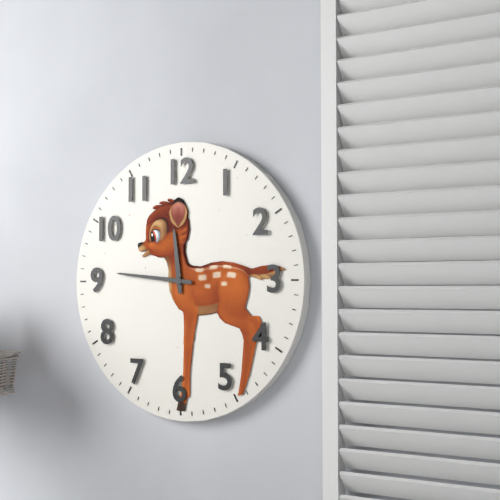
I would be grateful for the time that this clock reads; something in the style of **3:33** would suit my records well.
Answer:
**11:46**
